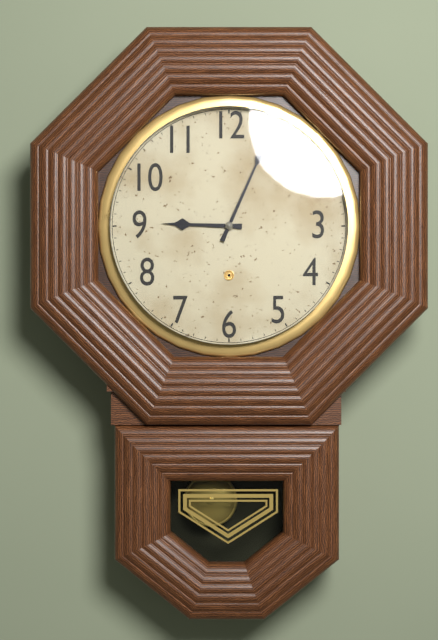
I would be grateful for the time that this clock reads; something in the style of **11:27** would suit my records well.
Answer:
**9:04**
